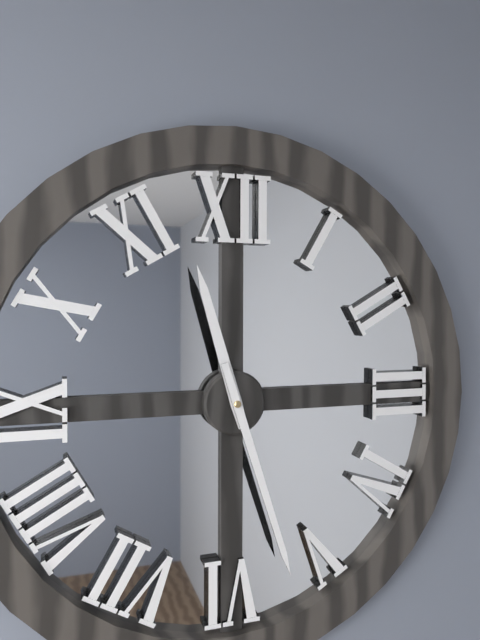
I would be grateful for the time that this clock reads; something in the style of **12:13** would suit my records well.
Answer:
**11:27**
